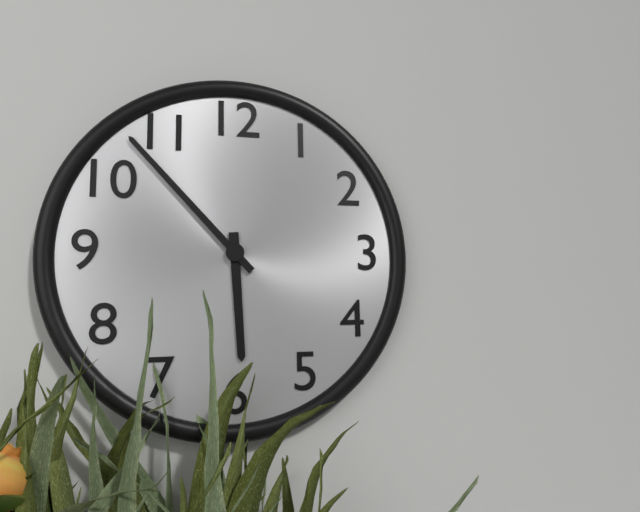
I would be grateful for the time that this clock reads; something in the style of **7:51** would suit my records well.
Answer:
**5:53**
